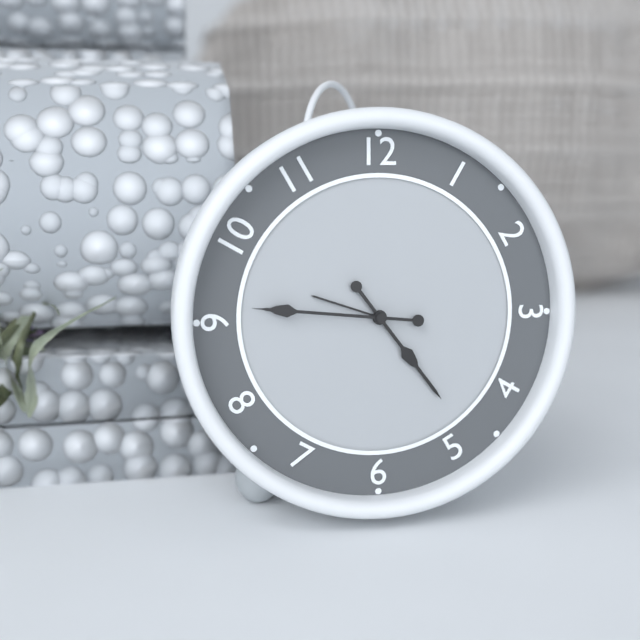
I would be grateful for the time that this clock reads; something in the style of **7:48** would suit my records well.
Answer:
**4:46**
